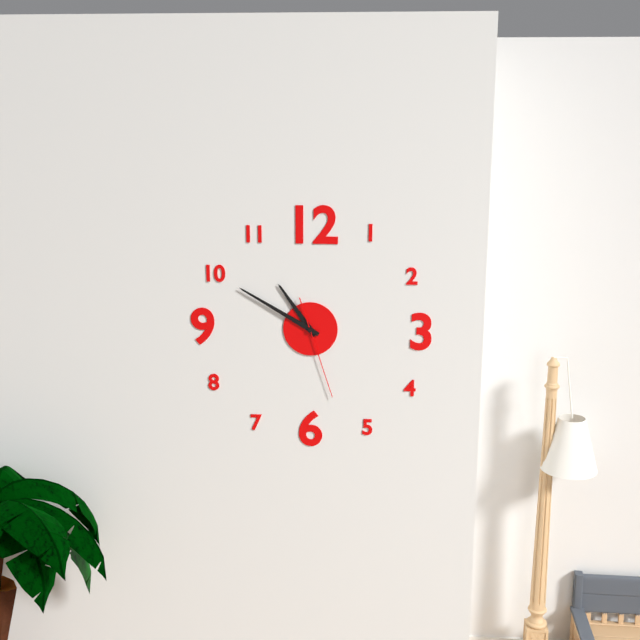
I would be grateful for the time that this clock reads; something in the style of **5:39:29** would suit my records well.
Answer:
**10:50:27**
